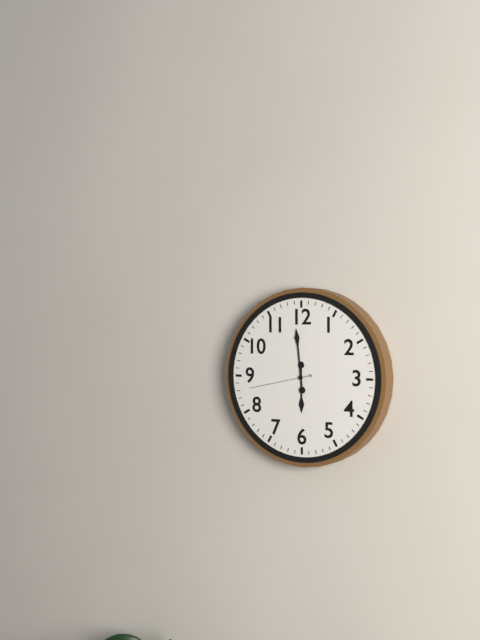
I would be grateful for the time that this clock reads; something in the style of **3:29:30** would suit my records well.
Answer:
**5:59:43**
